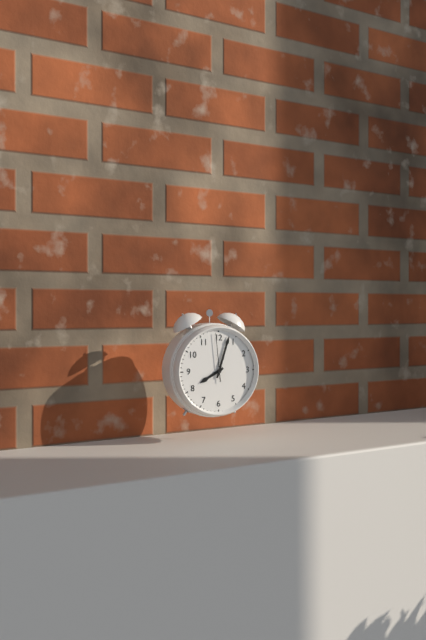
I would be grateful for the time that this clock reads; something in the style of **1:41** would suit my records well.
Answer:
**8:03**
